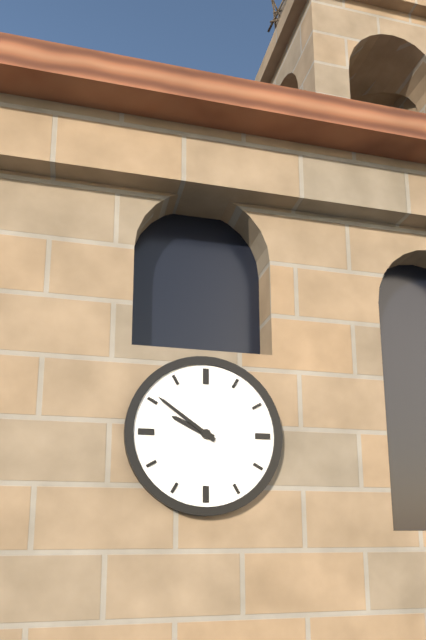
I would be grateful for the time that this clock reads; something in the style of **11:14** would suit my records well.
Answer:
**9:51**
